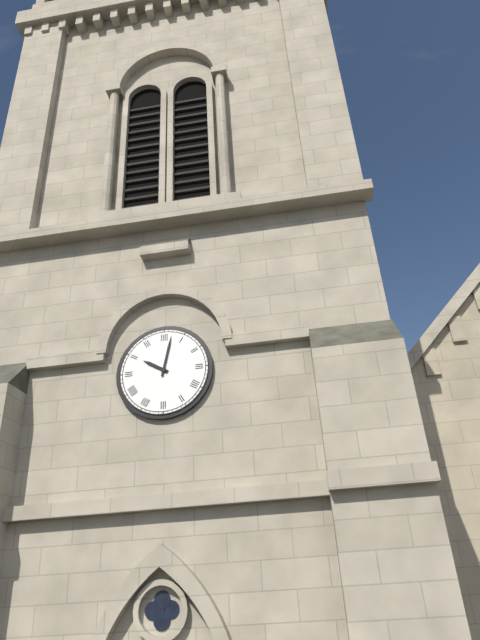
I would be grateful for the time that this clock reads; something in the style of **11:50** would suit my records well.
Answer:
**10:02**
